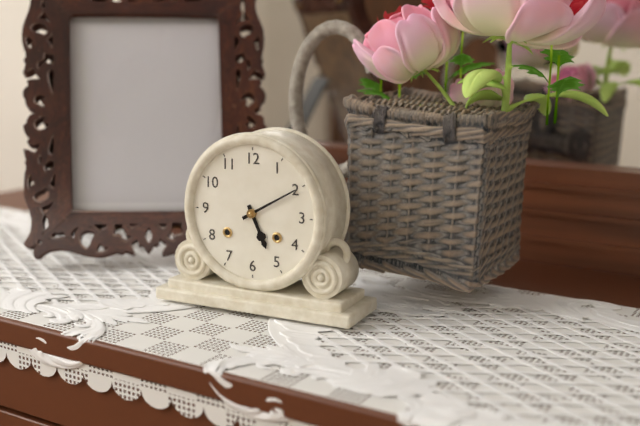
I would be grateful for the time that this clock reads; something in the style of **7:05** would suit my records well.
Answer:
**5:10**
